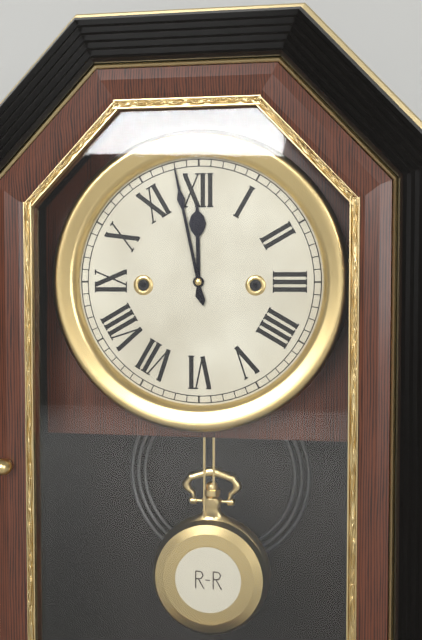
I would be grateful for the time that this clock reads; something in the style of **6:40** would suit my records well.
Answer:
**11:58**
